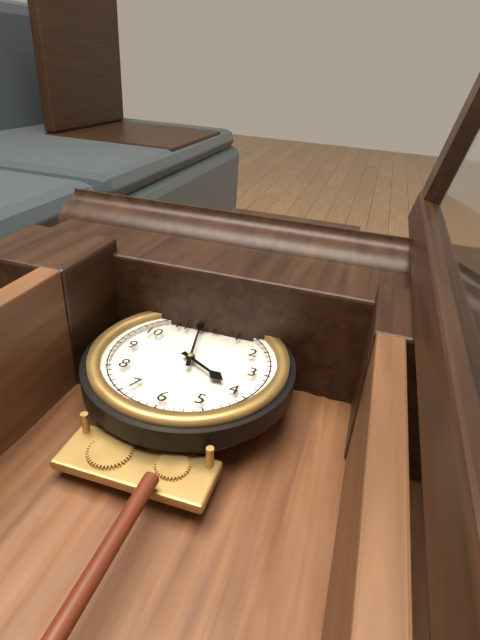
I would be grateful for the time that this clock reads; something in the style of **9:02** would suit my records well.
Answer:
**3:58**
